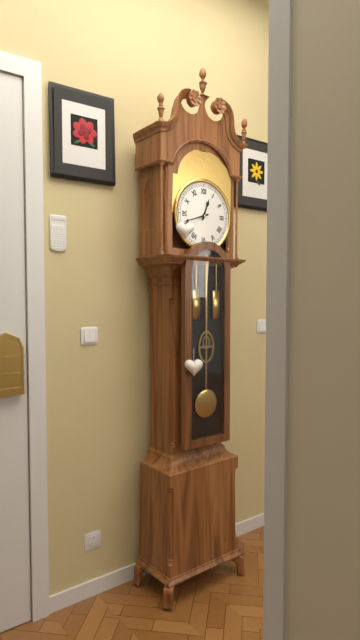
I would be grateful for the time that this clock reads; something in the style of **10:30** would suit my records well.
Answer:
**12:42**
